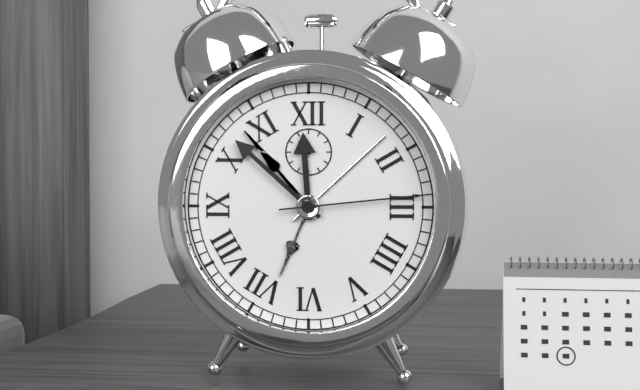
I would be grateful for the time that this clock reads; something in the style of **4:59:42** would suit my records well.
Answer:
**11:52:14**
